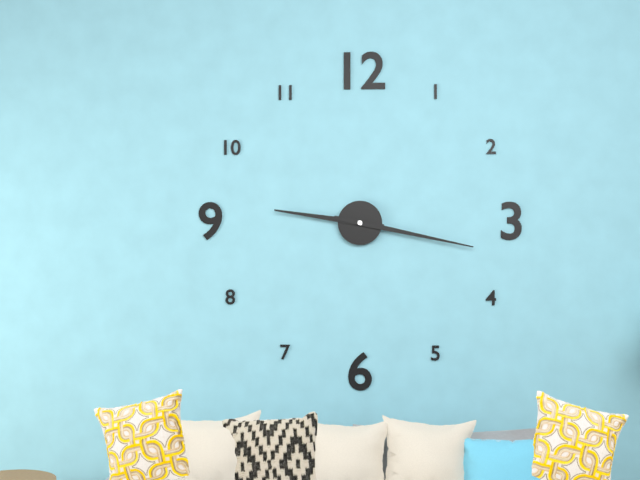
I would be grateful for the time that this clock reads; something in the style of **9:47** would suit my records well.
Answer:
**9:17**
